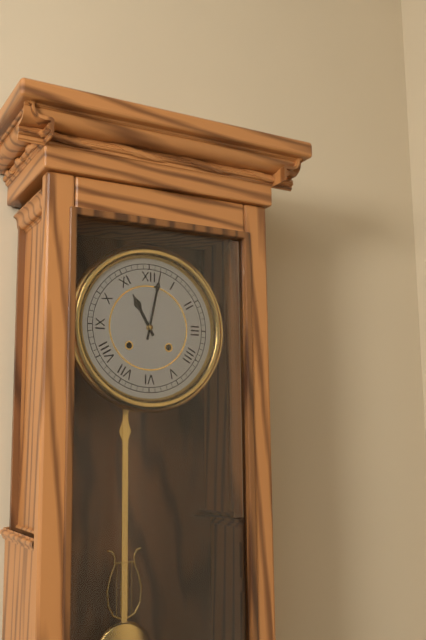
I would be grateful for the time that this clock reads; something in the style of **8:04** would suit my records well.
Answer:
**11:02**
